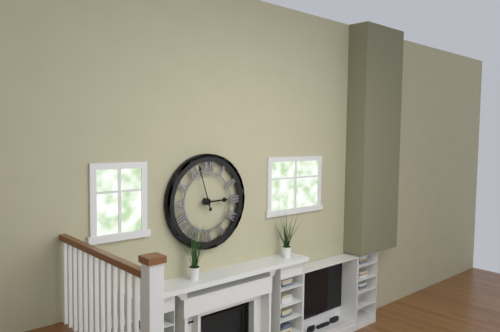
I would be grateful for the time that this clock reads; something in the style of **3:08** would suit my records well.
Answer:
**2:57**
